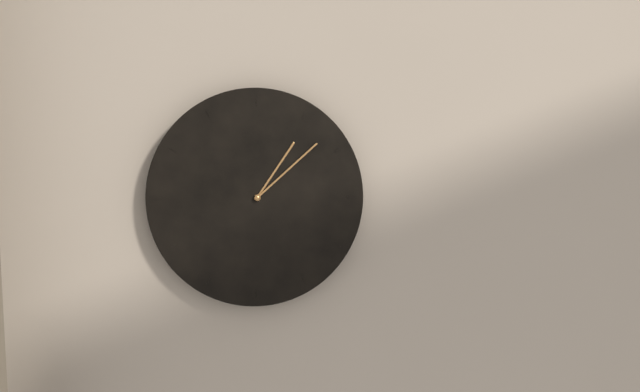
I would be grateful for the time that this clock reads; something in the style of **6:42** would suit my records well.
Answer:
**1:08**
